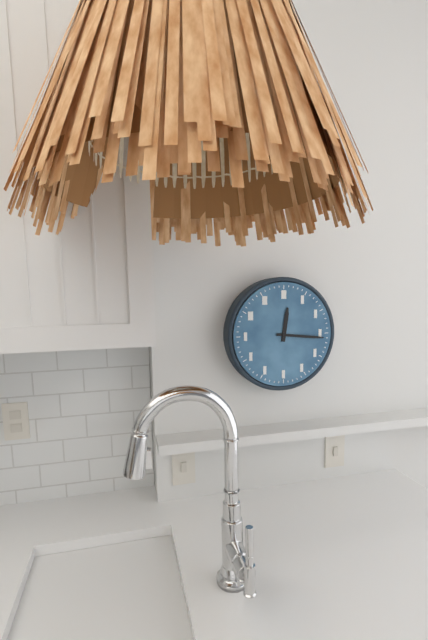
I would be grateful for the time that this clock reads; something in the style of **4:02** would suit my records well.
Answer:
**12:16**
